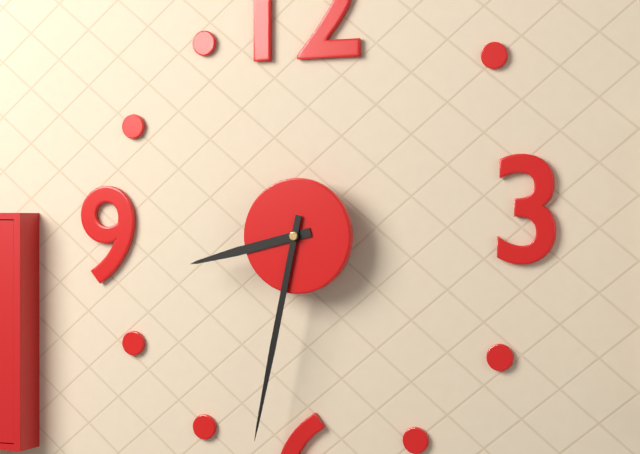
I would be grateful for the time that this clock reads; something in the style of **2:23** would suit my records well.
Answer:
**8:32**
